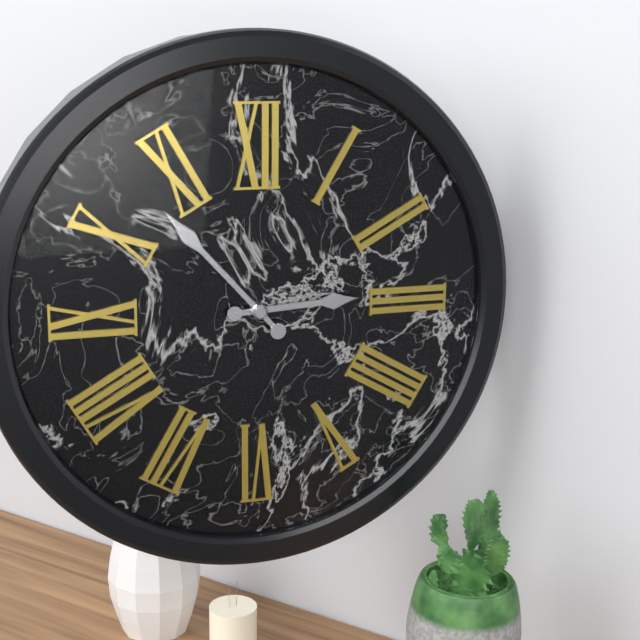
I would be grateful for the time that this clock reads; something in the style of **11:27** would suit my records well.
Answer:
**2:53**
